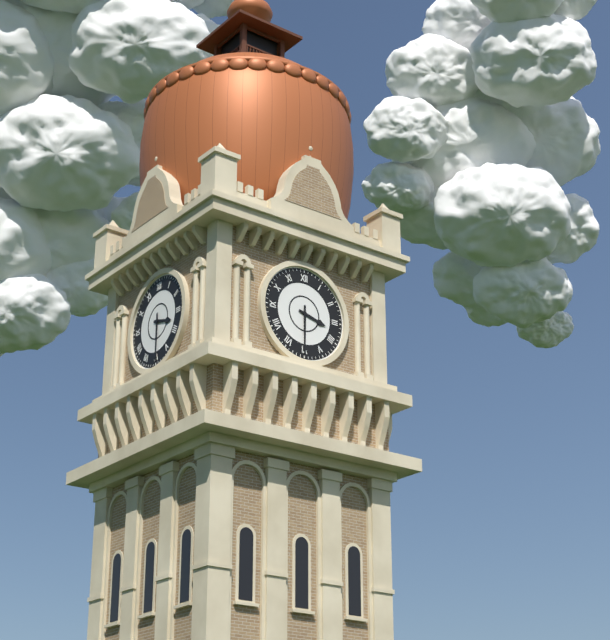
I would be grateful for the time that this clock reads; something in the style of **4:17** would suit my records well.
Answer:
**3:30**
